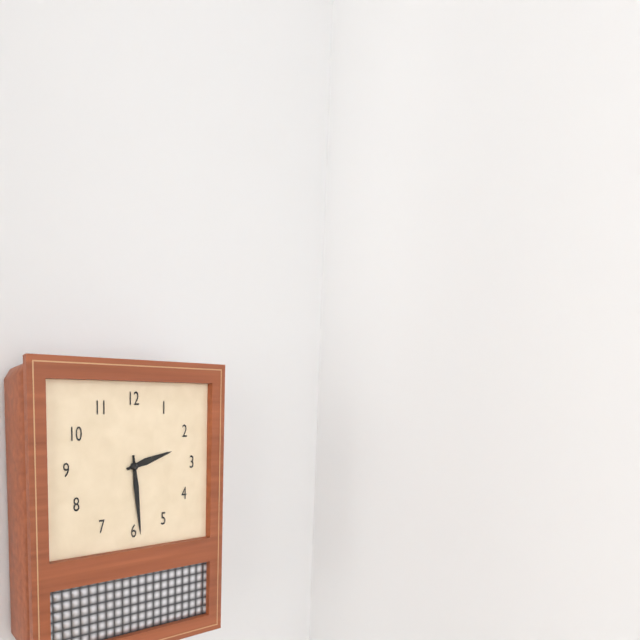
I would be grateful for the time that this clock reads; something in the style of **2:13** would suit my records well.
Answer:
**2:29**
